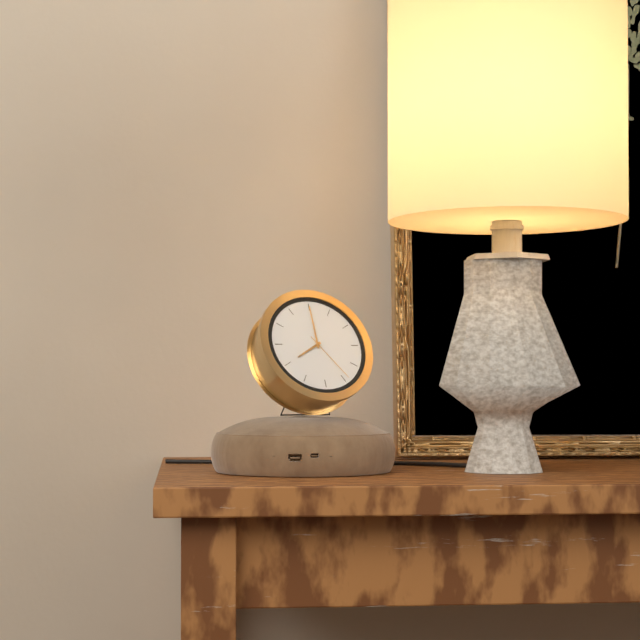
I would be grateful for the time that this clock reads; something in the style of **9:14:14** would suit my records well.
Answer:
**8:00:24**
